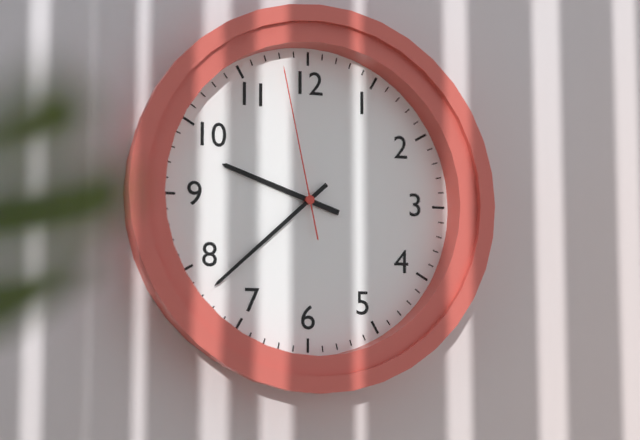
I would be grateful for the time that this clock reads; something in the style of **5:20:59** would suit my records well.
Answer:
**9:38:58**
